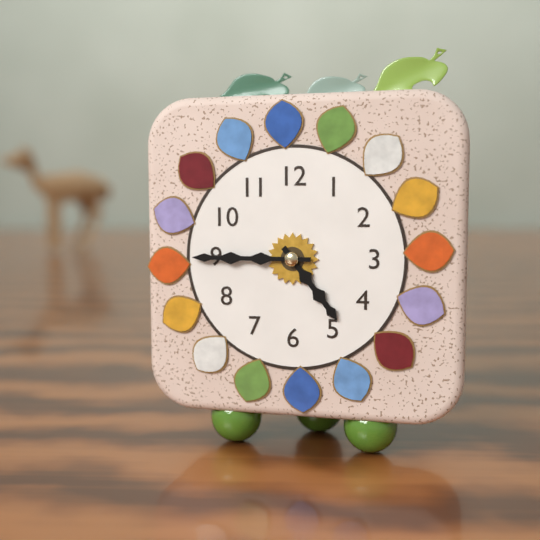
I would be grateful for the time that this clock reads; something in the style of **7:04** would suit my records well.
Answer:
**4:45**
